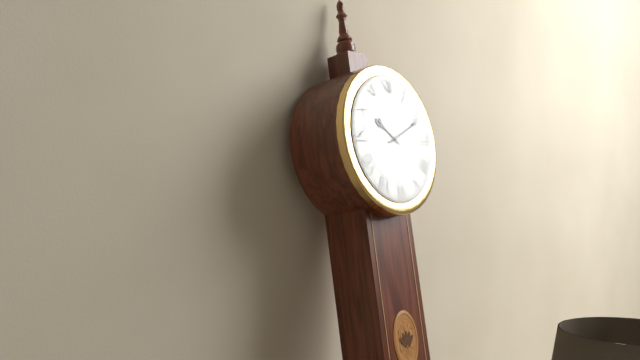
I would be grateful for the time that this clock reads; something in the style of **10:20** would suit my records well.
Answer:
**10:11**
